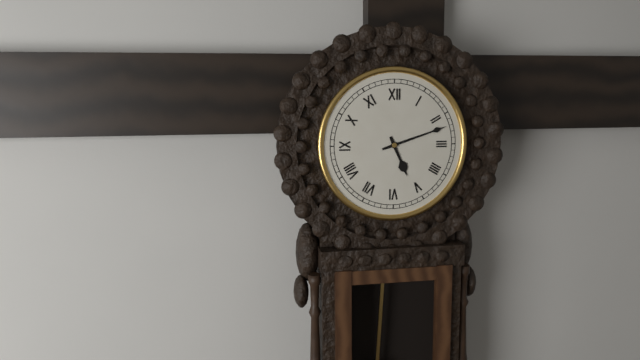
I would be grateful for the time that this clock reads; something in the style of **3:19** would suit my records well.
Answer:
**5:12**
